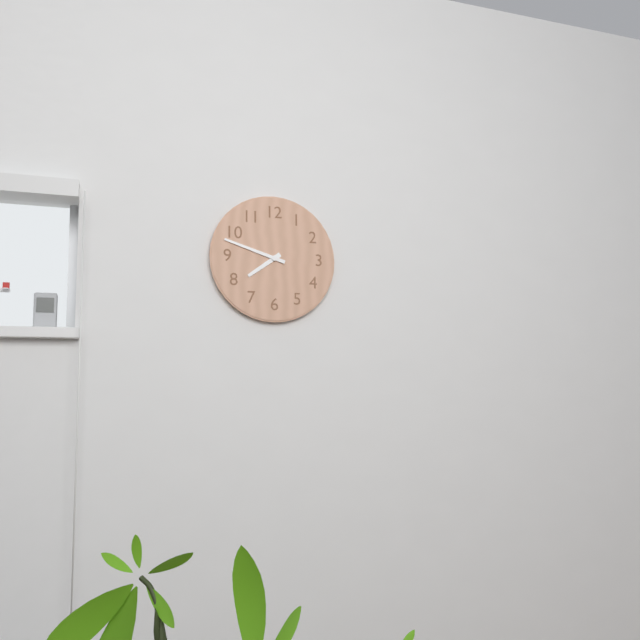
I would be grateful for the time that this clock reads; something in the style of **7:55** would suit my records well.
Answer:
**7:48**
